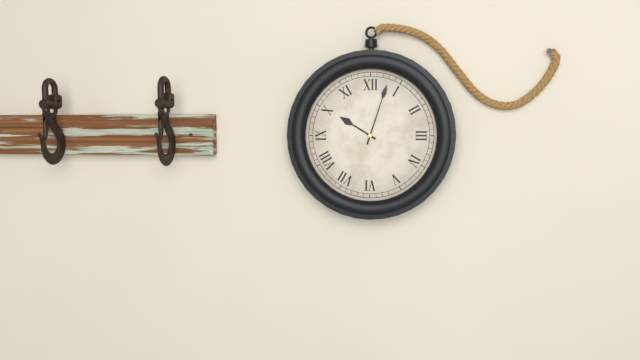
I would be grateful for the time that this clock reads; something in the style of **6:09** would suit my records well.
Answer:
**10:03**
